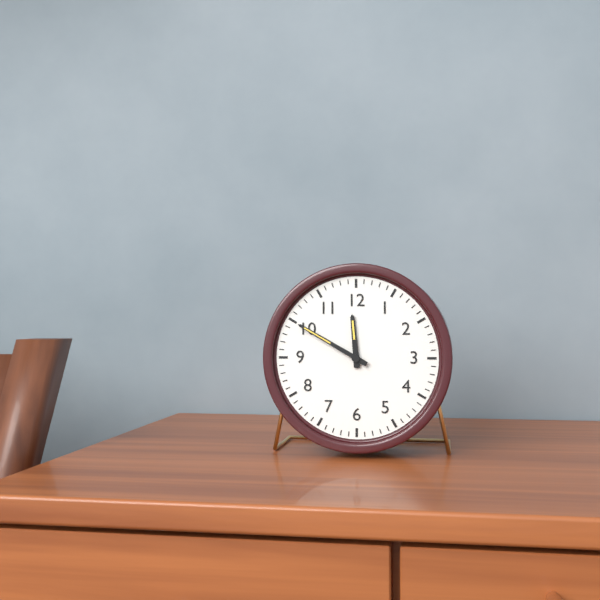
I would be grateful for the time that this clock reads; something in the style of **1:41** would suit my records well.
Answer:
**11:50**
